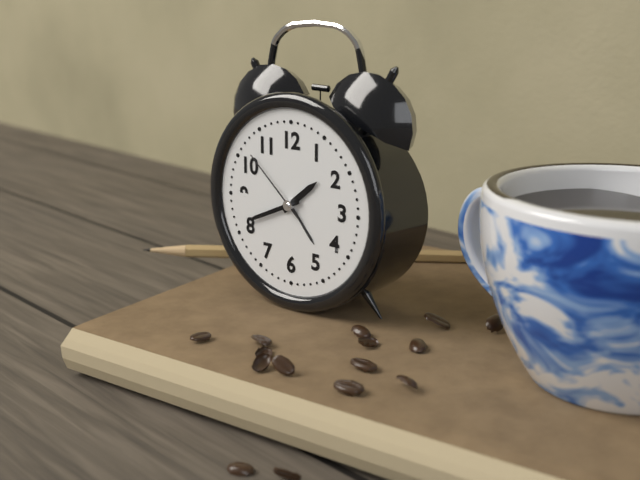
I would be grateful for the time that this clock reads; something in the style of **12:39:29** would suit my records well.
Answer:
**1:41:52**
